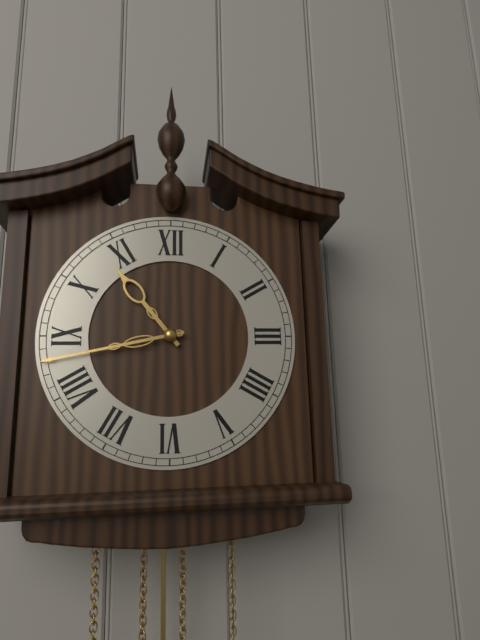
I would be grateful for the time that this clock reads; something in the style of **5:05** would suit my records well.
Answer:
**10:43**
